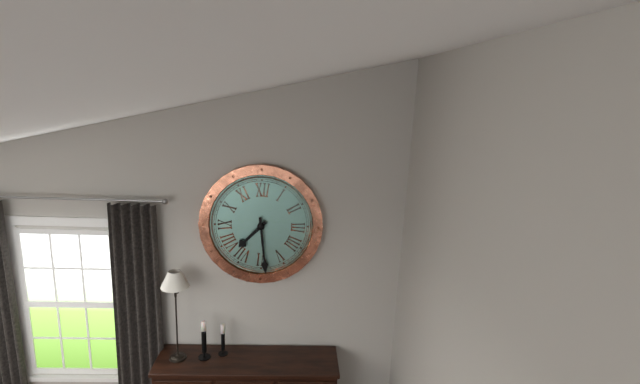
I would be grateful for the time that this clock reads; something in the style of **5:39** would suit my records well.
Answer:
**7:29**
